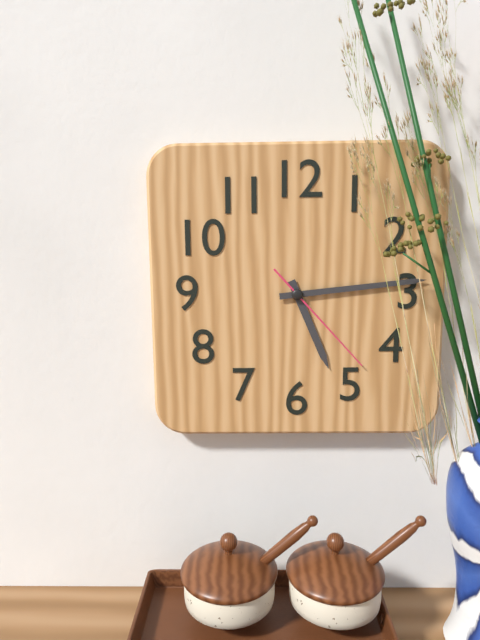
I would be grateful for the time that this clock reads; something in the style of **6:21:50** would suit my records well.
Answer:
**5:14:23**
